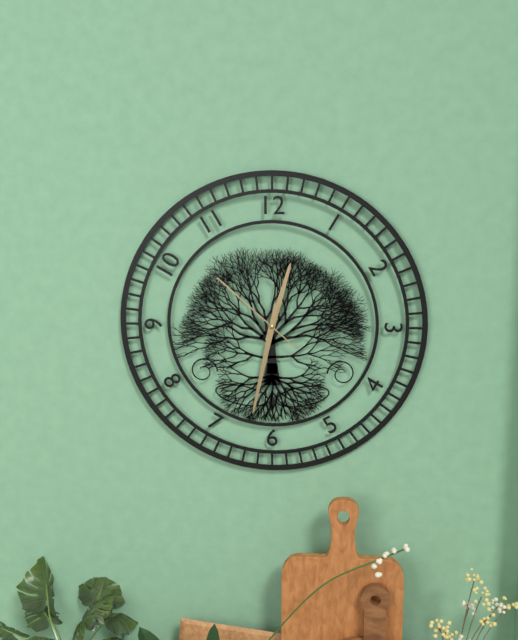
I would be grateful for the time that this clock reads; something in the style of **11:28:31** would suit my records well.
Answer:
**12:32:52**
